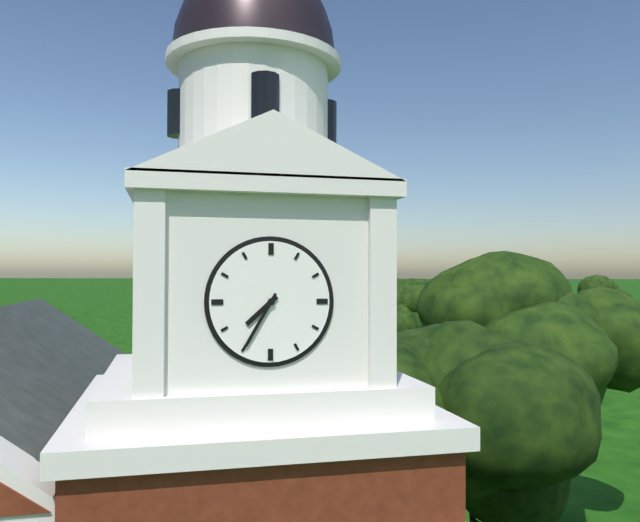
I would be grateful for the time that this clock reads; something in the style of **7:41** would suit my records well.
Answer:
**7:35**
